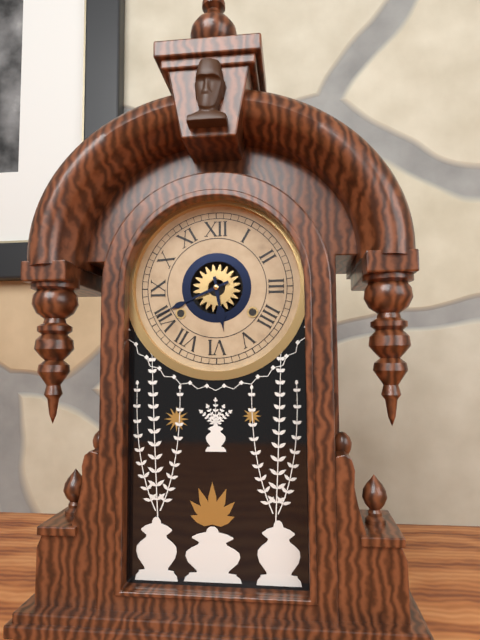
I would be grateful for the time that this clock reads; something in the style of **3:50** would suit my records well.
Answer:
**5:41**
